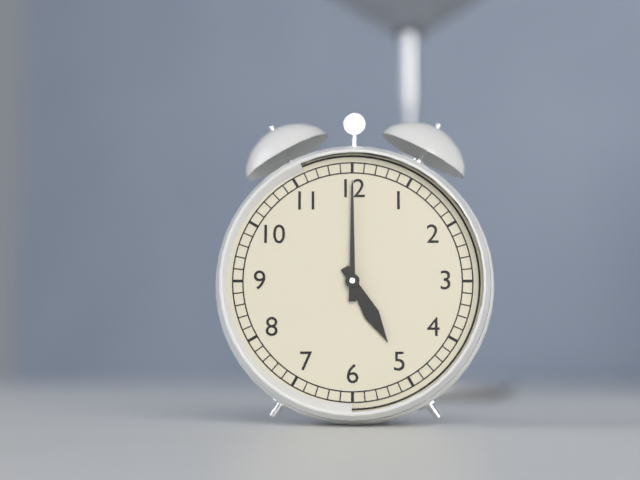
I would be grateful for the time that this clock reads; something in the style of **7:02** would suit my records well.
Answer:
**5:00**
